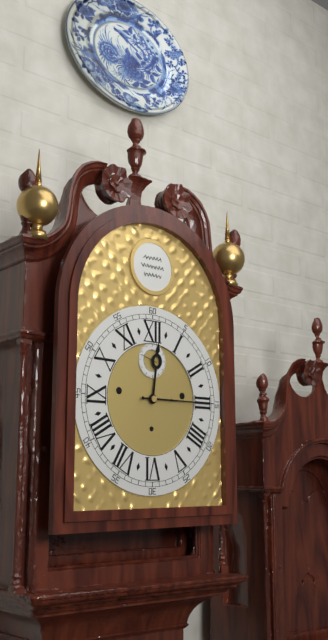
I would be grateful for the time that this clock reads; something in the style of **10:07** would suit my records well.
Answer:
**12:15**
